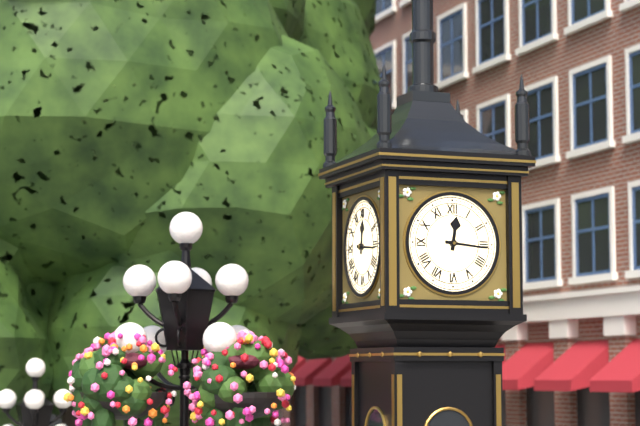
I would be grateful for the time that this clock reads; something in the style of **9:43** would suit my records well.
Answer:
**12:16**
